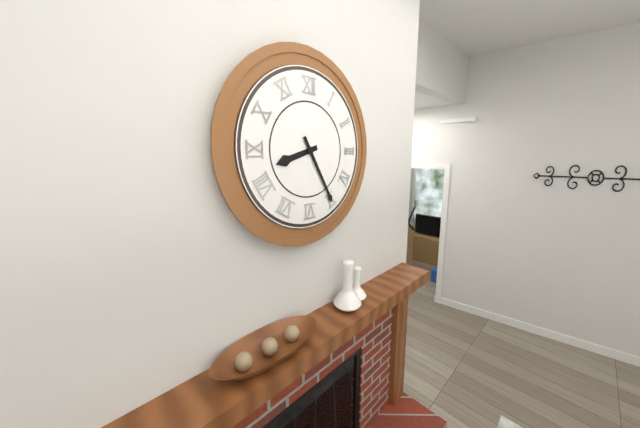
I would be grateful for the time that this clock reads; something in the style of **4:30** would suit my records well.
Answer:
**8:25**
